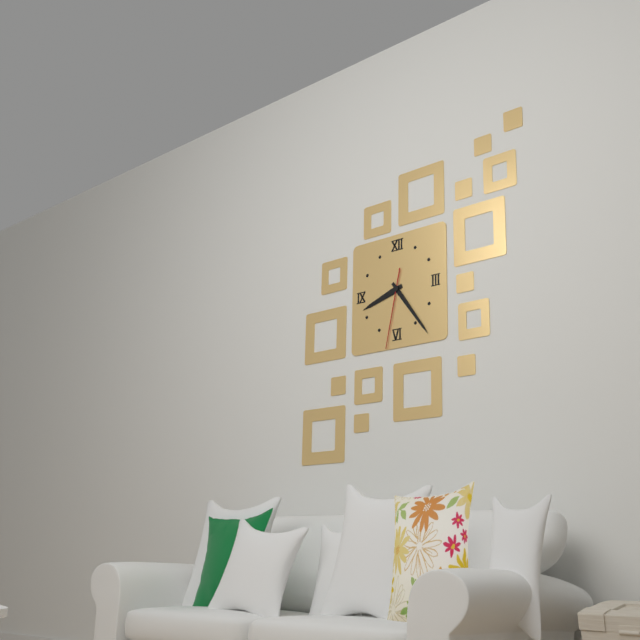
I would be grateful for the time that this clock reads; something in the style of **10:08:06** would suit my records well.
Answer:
**8:24:32**
